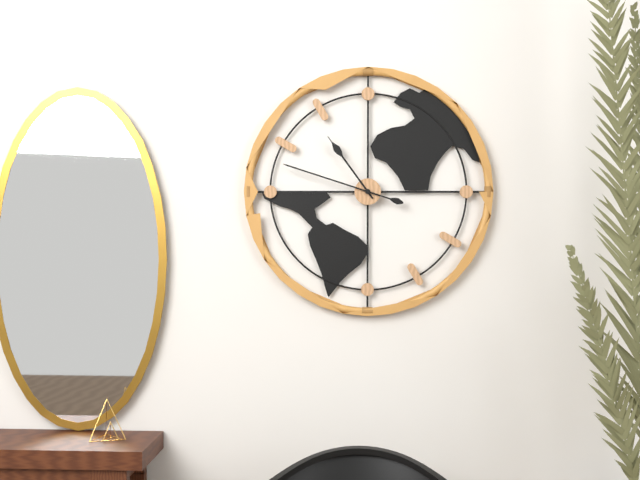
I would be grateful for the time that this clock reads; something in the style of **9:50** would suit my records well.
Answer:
**10:48**
